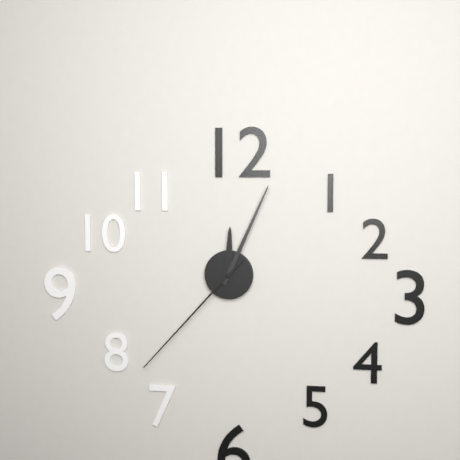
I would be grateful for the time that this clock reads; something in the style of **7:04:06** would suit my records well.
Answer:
**12:04:37**
